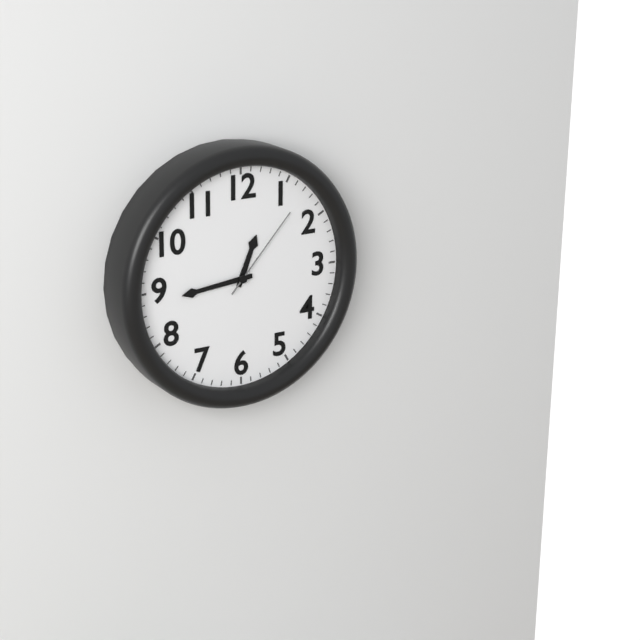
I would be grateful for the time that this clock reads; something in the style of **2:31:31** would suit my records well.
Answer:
**12:44:07**
